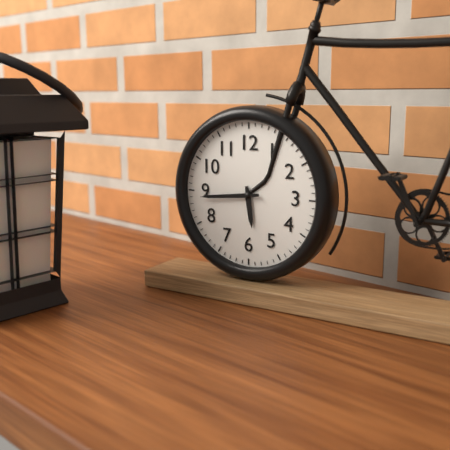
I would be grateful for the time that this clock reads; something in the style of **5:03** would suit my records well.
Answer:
**5:44**
